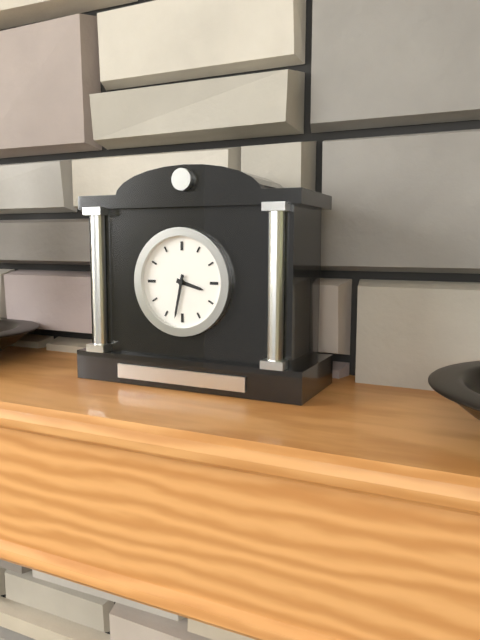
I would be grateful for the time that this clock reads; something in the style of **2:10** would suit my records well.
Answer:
**3:32**
